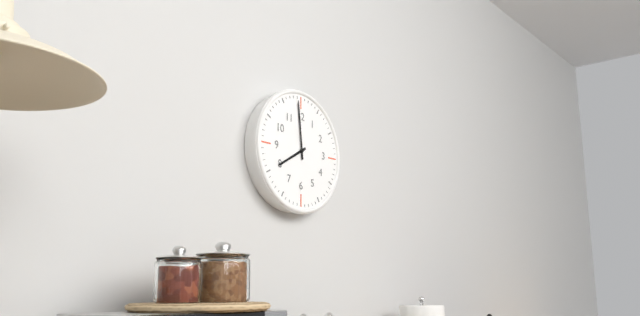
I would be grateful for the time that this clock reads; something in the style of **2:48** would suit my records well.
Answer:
**7:59**
